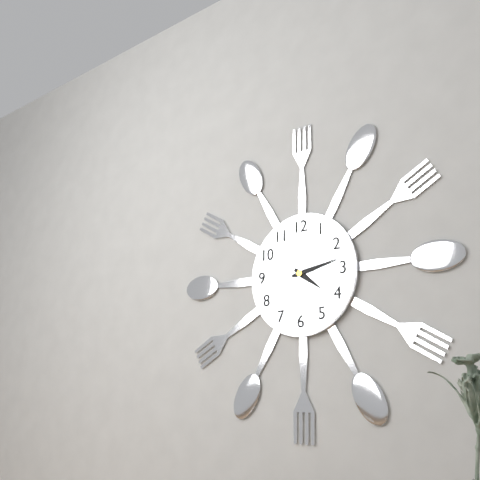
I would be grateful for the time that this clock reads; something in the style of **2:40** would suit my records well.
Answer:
**4:13**
